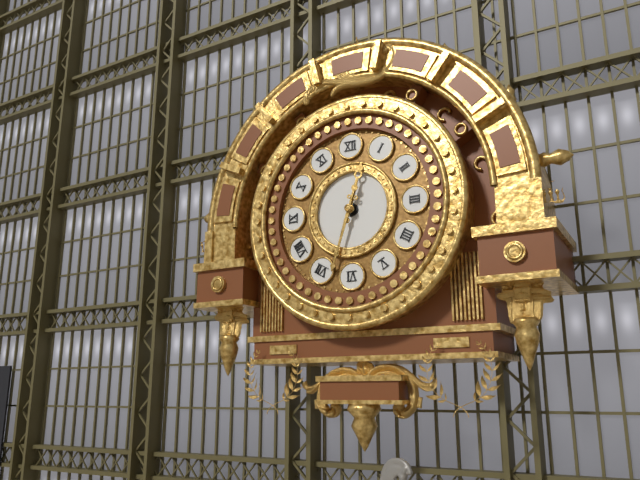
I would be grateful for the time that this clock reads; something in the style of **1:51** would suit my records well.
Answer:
**12:33**
